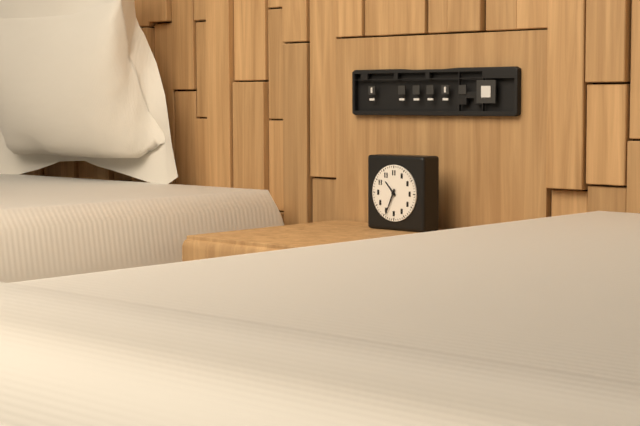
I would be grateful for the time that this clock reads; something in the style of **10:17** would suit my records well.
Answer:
**10:34**
